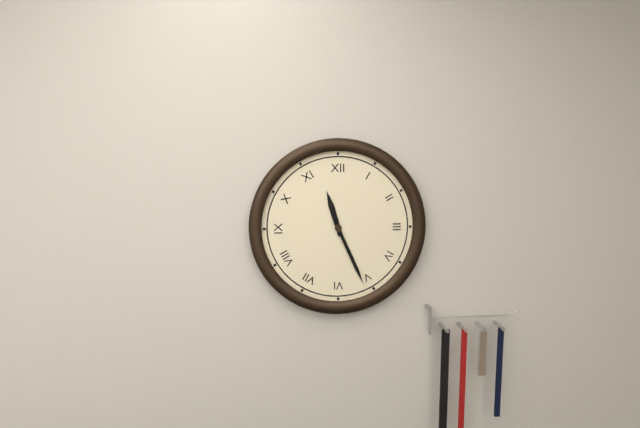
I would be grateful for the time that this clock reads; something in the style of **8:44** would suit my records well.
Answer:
**11:26**
